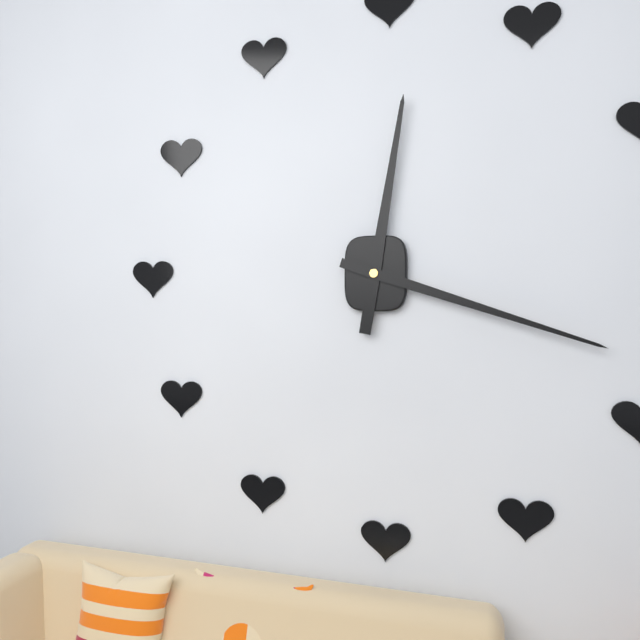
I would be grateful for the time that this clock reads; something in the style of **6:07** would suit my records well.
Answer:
**12:18**
